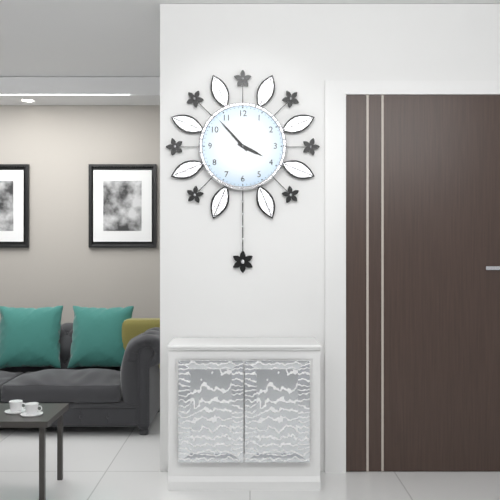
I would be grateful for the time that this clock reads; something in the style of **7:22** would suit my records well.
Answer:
**3:53**
